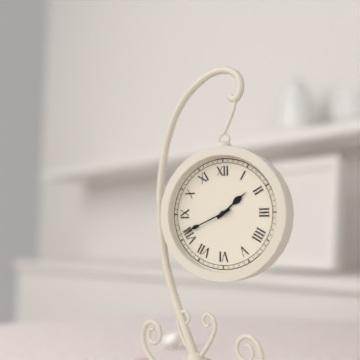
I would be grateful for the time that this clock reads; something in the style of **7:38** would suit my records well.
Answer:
**1:41**
